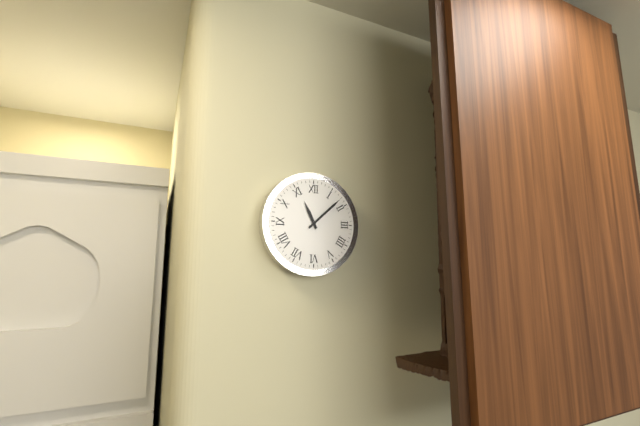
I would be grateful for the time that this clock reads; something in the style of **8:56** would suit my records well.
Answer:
**11:08**
